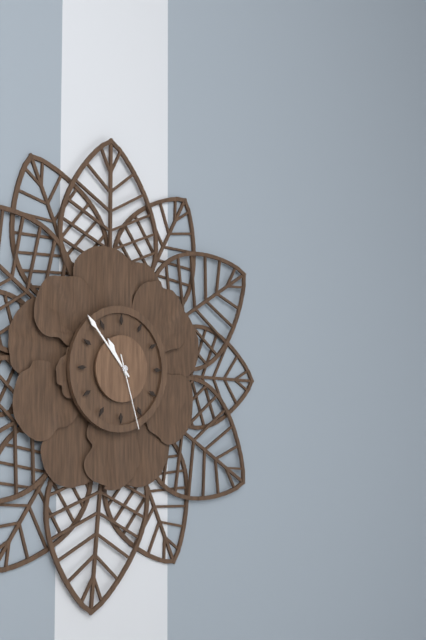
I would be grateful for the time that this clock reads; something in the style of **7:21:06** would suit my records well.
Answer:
**10:53:27**
